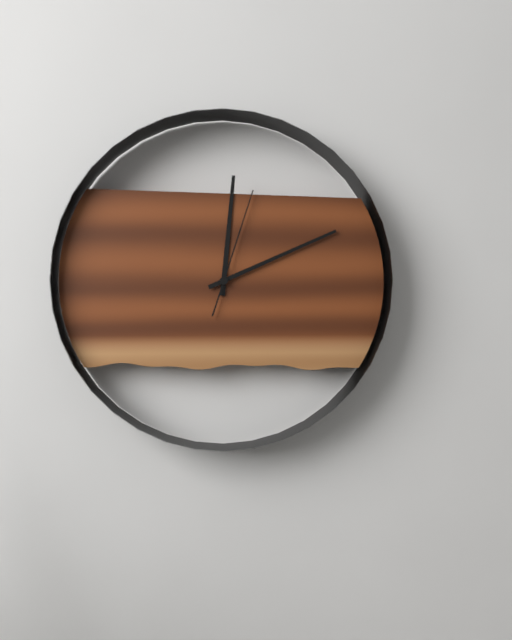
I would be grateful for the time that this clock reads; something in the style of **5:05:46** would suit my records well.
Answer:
**12:11:03**
